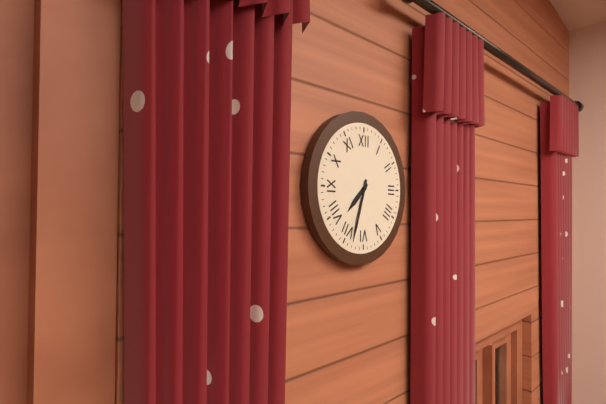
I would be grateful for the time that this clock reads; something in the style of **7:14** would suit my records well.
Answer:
**7:33**
